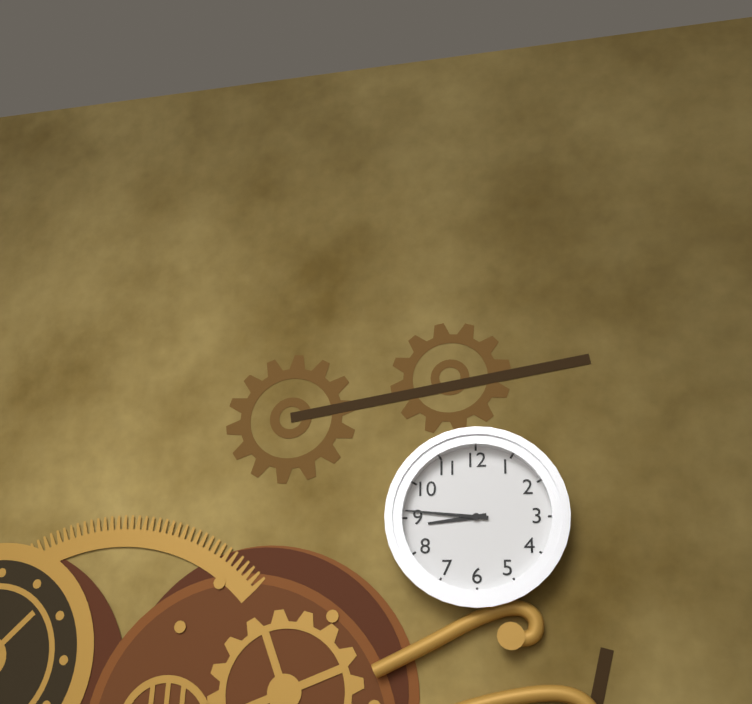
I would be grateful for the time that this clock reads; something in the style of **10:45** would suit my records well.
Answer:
**8:46**
